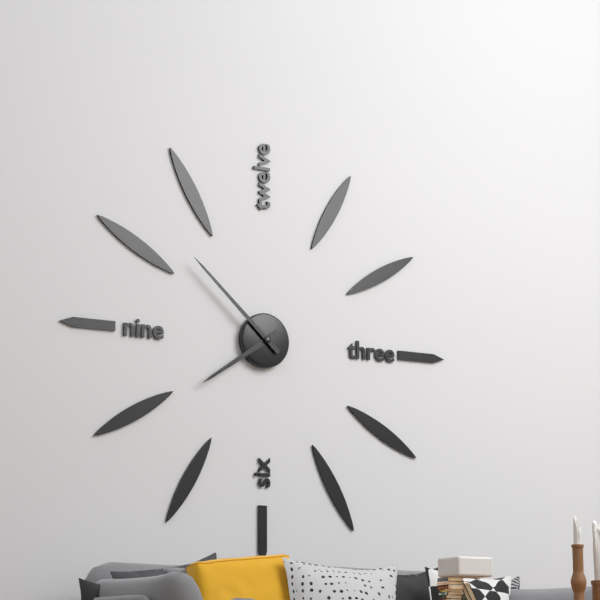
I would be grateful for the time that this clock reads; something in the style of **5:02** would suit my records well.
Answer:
**7:52**
